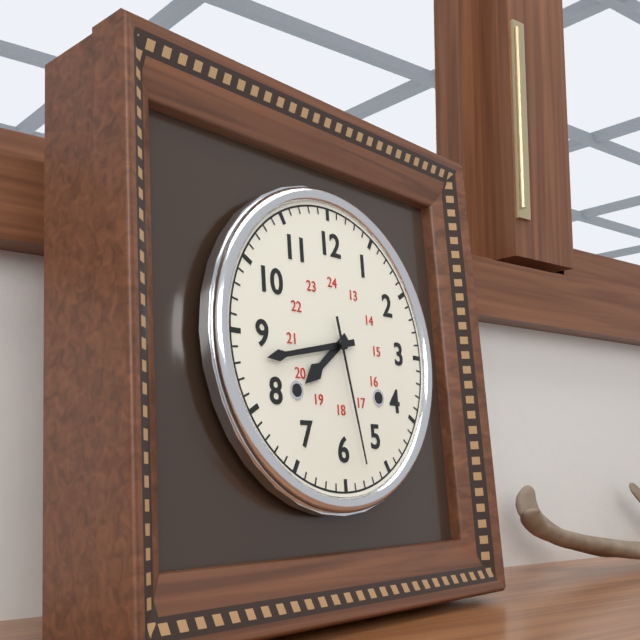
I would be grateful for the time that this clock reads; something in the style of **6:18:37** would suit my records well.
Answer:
**7:43:28**
